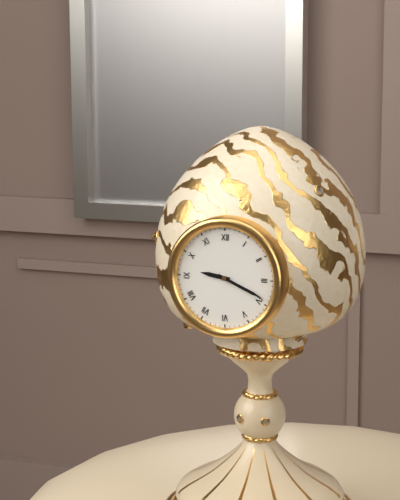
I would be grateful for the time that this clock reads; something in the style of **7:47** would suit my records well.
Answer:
**9:19**
